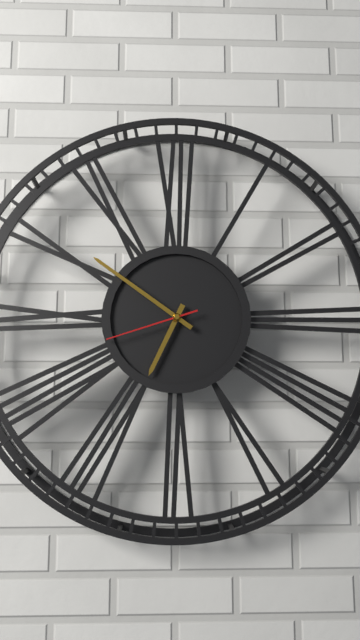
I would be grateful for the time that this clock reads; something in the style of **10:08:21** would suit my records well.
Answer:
**6:51:42**
